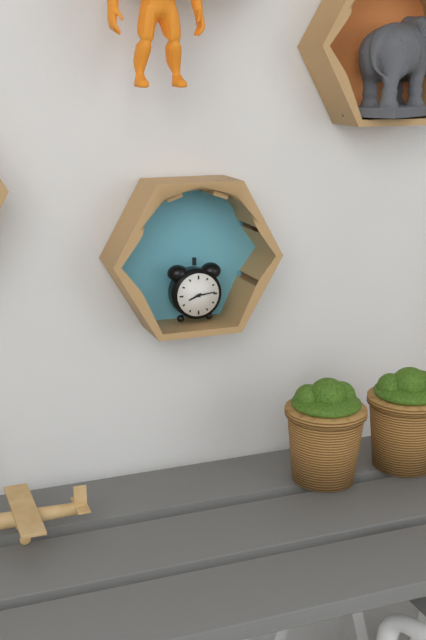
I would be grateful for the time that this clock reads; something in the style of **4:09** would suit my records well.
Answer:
**8:14**
